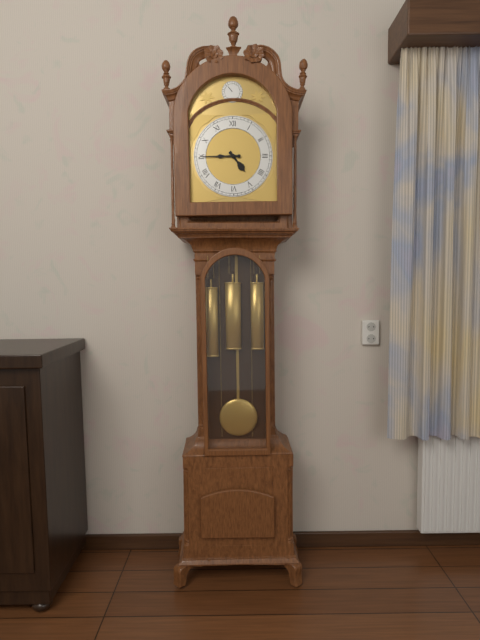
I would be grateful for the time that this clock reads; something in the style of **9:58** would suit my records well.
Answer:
**4:45**
